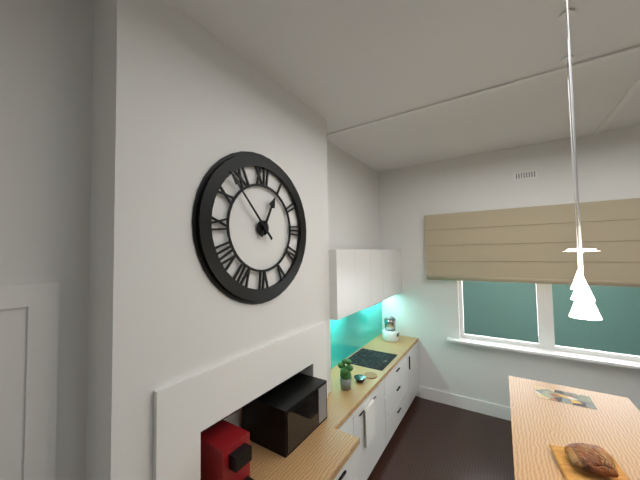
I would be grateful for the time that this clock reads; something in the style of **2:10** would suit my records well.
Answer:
**12:53**
